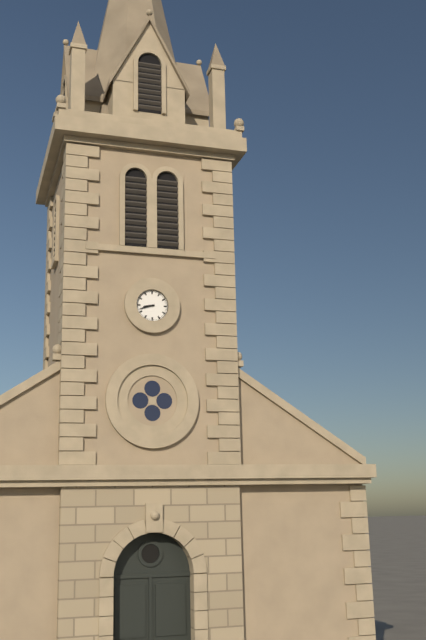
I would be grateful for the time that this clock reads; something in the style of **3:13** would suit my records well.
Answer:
**8:42**
